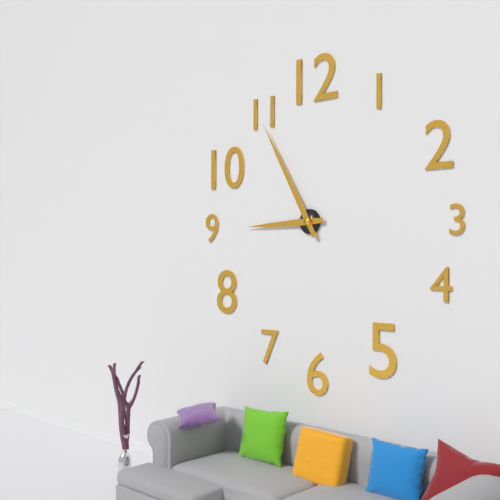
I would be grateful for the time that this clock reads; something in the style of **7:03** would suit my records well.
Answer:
**8:55**
